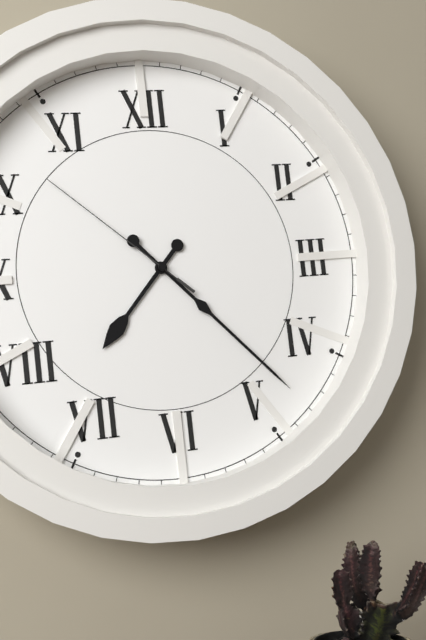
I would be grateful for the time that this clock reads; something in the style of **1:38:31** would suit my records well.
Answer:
**7:23:52**
